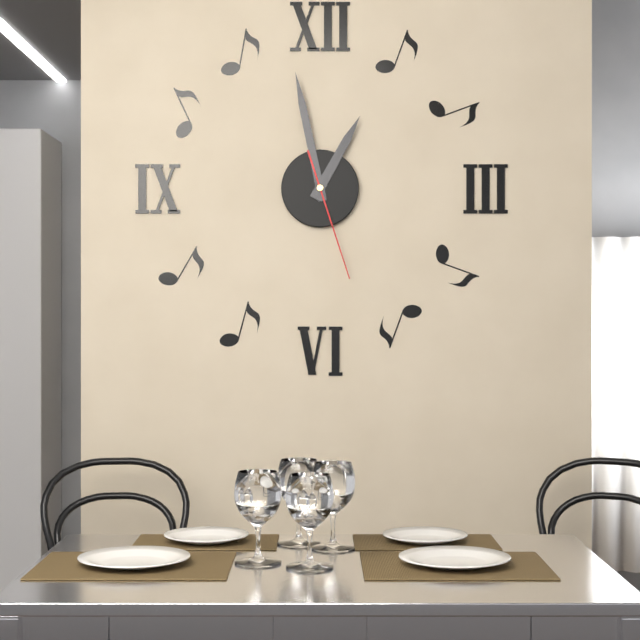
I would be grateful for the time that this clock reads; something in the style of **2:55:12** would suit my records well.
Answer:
**12:58:27**
